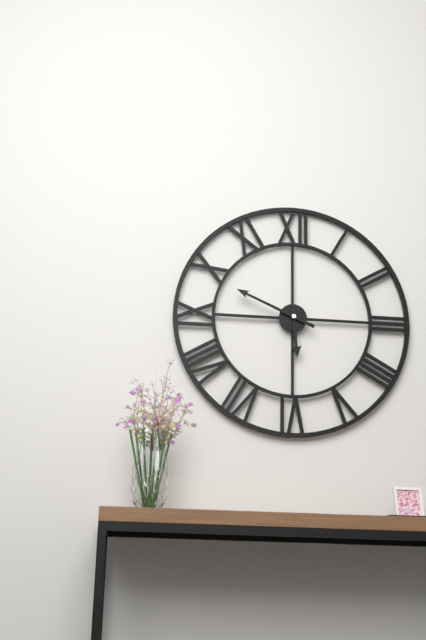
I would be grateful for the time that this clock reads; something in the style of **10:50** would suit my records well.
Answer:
**5:49**
